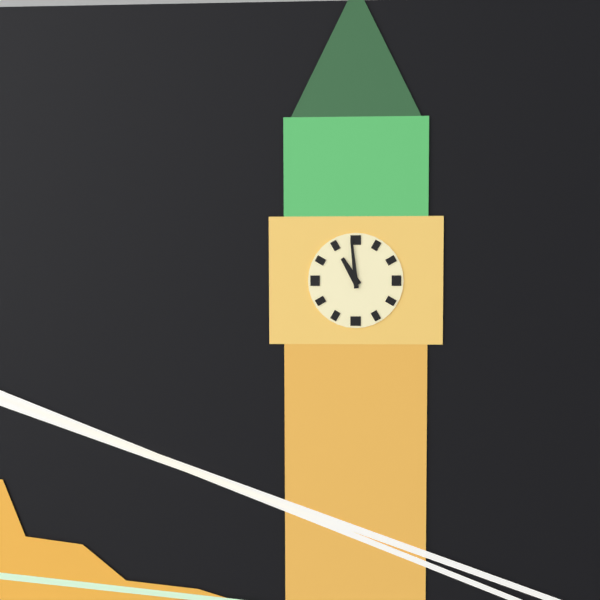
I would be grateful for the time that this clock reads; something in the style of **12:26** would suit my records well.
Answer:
**10:59**
